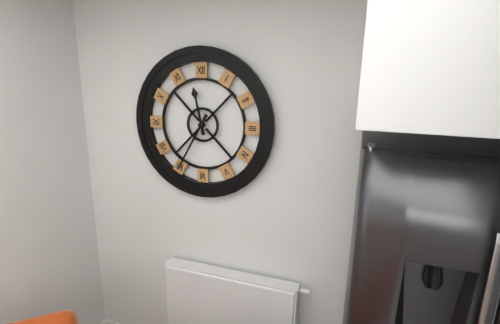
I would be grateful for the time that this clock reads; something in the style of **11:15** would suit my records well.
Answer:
**11:35**
